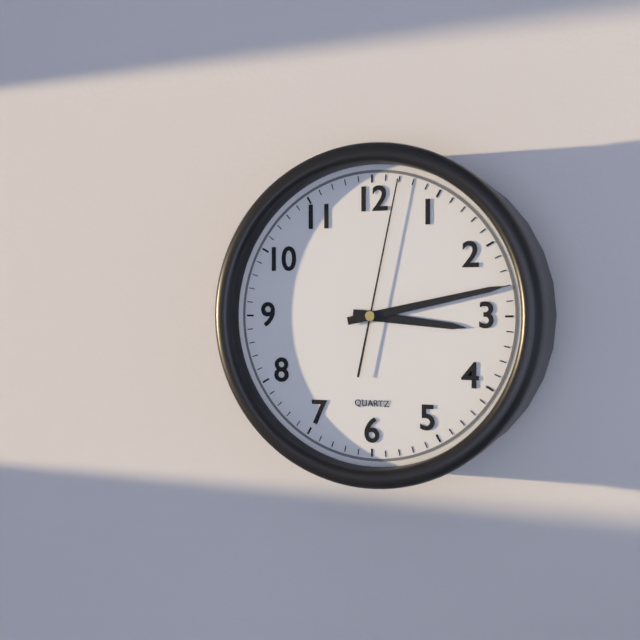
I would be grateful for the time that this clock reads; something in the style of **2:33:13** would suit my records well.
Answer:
**3:13:02**
